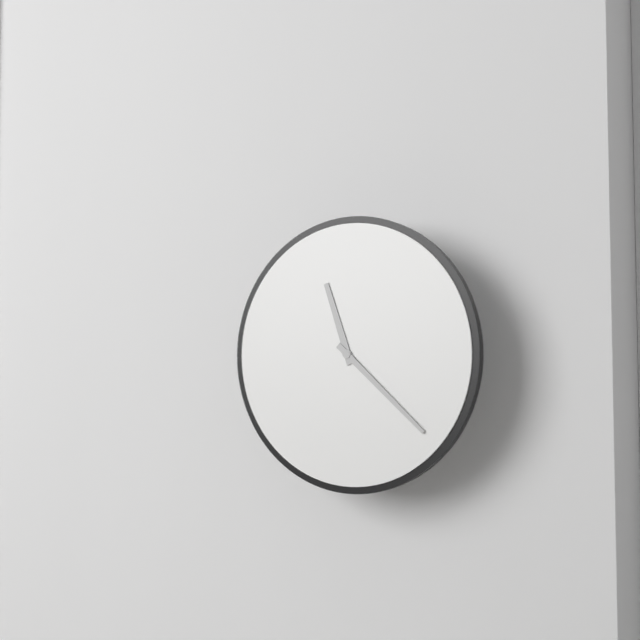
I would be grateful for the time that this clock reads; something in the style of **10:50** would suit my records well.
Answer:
**11:22**
